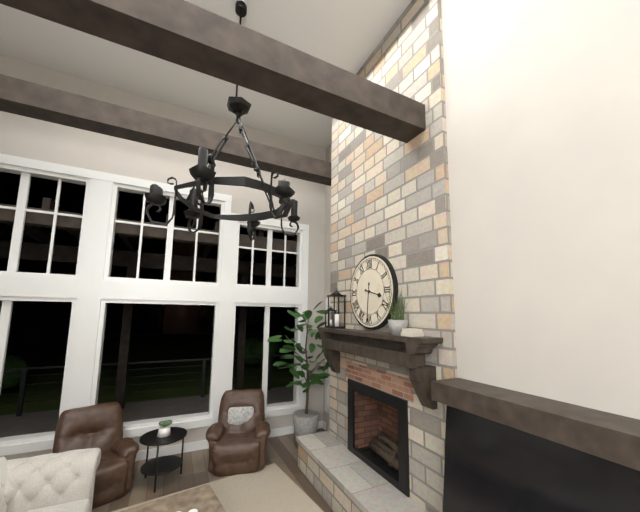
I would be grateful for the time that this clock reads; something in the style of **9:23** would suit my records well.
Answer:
**3:31**
